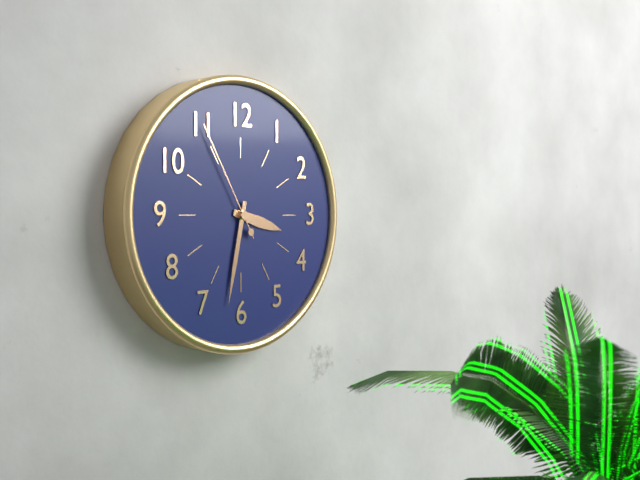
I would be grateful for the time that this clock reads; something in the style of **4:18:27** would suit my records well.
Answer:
**3:32:55**
